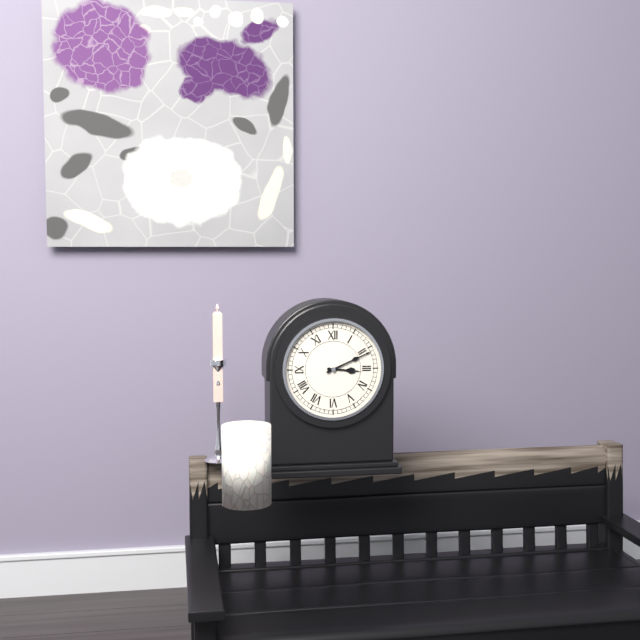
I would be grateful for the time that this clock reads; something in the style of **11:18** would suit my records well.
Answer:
**3:11**
